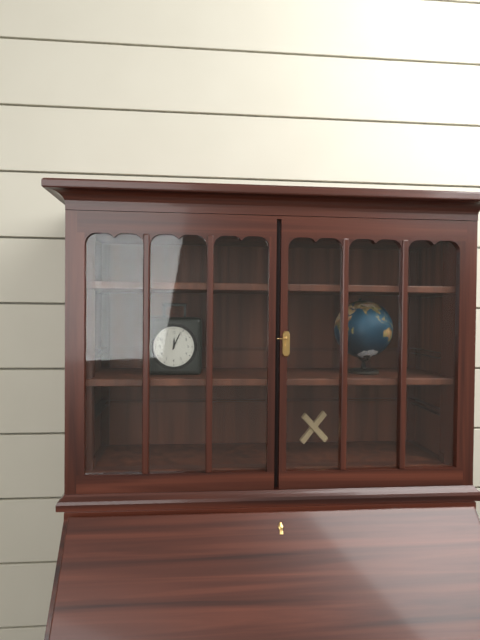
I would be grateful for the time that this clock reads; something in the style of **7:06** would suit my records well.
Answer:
**12:04**
